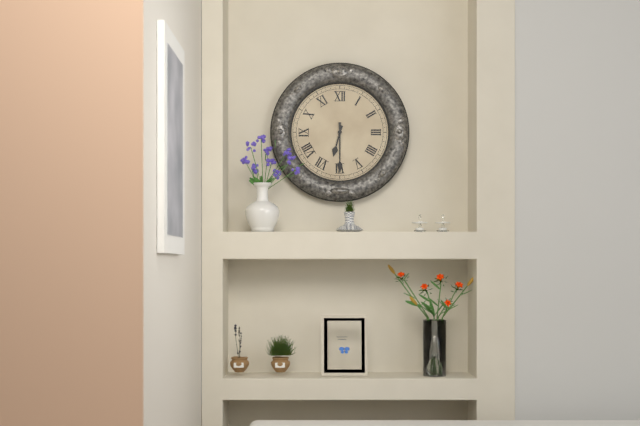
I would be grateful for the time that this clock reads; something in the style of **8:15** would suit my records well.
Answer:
**6:30**
